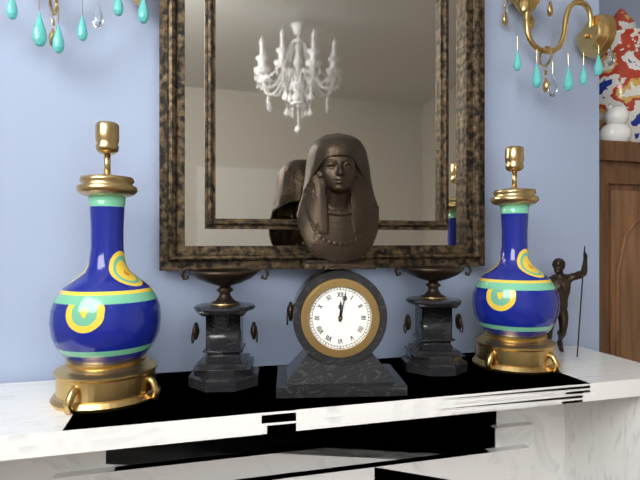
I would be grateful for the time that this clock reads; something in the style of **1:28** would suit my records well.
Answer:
**12:02**
